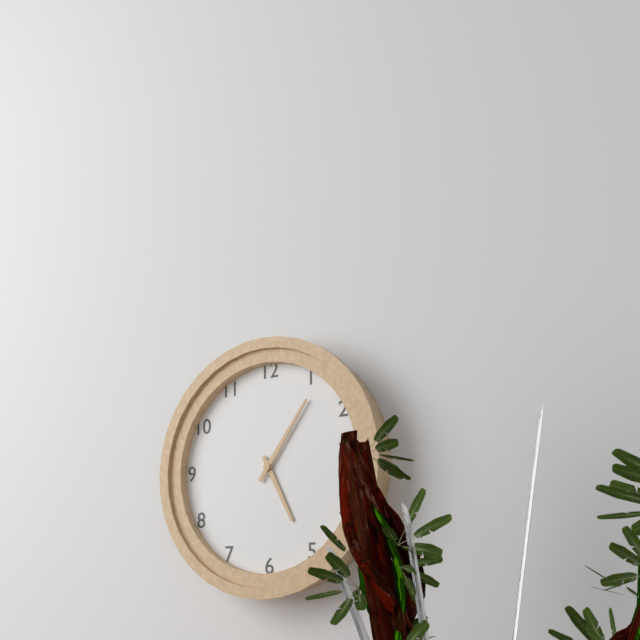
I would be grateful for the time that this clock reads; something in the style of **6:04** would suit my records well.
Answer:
**5:06**
